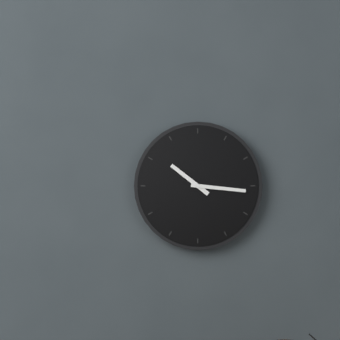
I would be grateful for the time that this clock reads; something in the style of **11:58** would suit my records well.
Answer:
**10:16**
